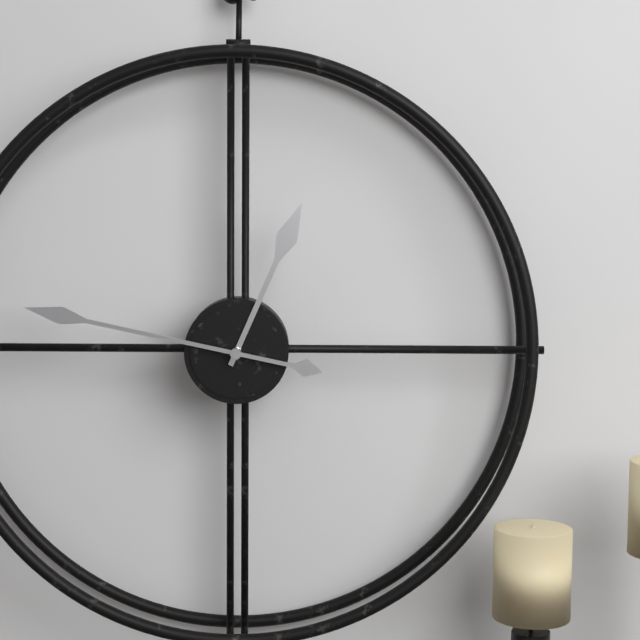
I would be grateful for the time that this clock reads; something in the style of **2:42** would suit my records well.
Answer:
**12:47**
